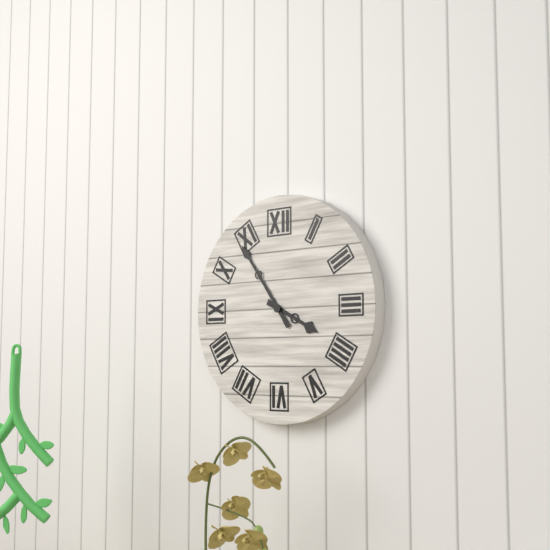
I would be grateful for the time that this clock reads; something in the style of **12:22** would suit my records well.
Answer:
**3:54**
